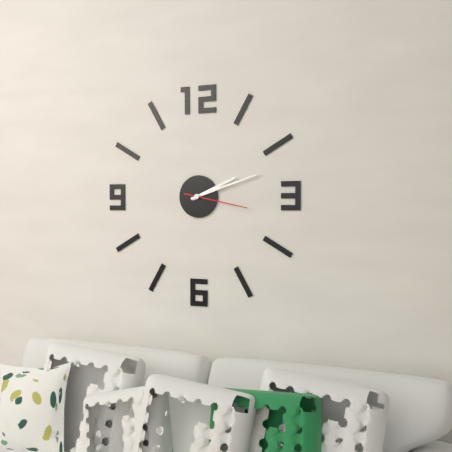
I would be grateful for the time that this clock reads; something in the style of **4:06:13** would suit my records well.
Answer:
**2:12:17**
